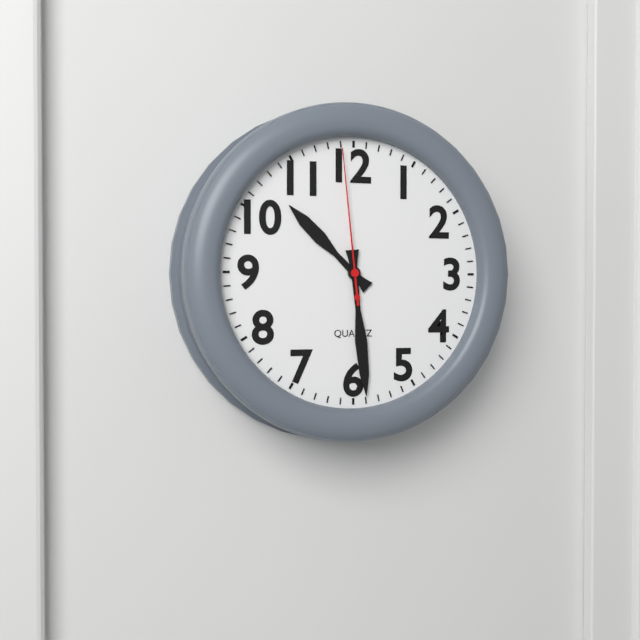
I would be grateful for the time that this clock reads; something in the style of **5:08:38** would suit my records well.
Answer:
**10:29:59**
